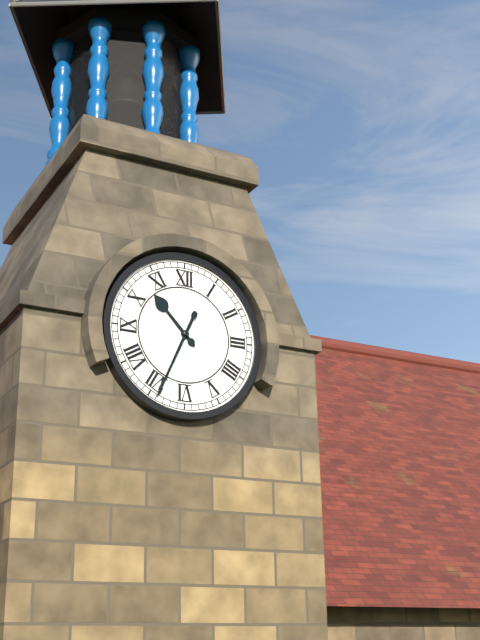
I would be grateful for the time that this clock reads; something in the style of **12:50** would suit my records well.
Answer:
**10:34**
